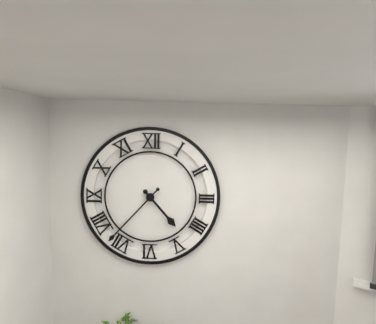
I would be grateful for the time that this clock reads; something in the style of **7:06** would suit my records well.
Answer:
**4:37**
